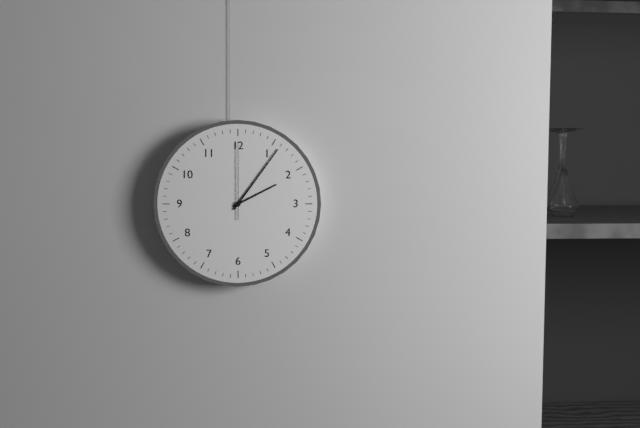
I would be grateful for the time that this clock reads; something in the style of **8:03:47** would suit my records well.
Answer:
**2:06:00**
